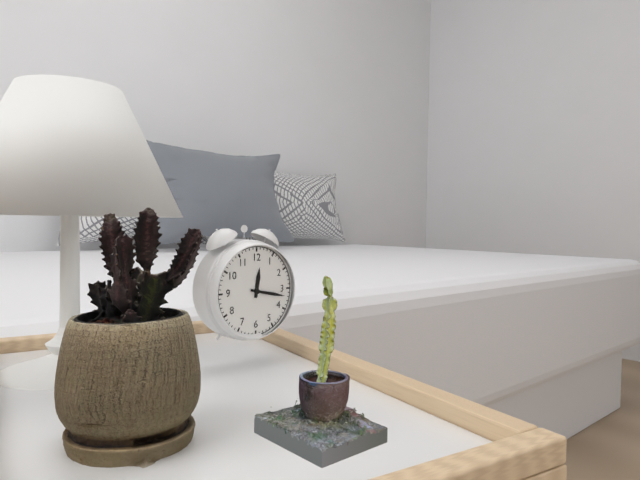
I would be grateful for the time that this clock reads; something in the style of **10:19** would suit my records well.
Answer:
**12:17**
